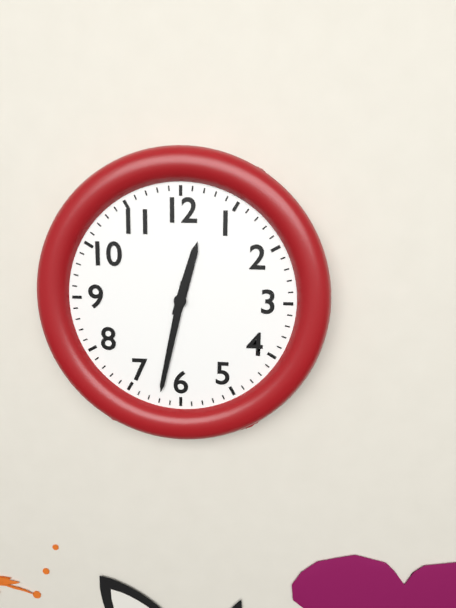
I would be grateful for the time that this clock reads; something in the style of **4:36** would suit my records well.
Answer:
**12:32**
